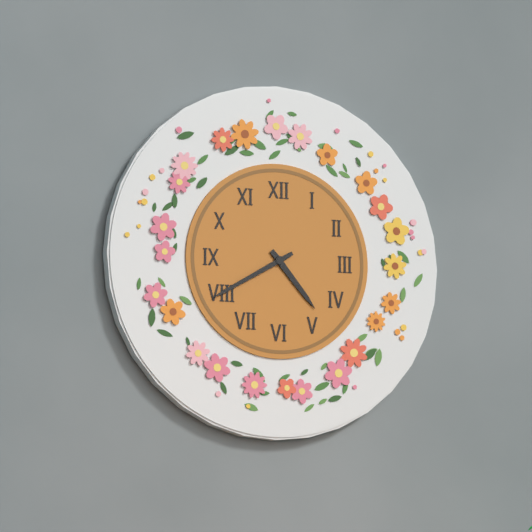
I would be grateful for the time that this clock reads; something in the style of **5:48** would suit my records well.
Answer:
**4:40**
